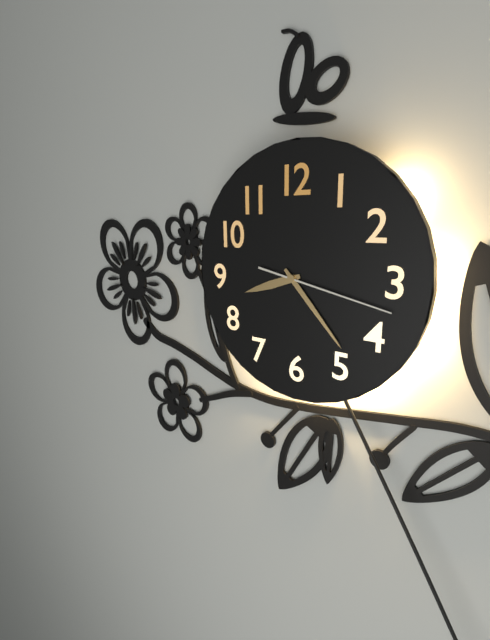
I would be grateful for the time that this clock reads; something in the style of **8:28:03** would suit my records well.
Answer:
**8:23:17**
